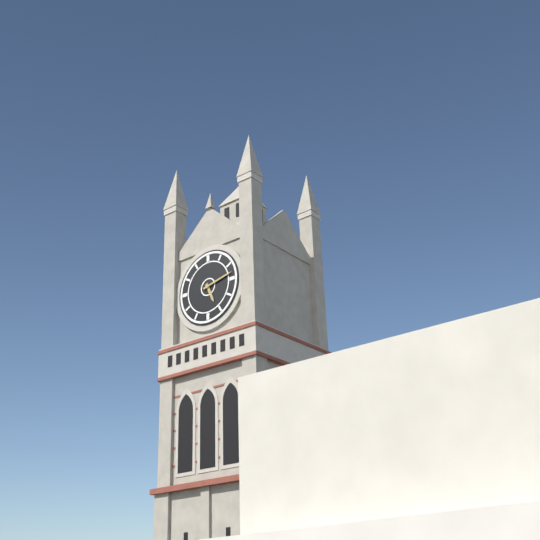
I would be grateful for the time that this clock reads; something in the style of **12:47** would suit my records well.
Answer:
**5:13**
